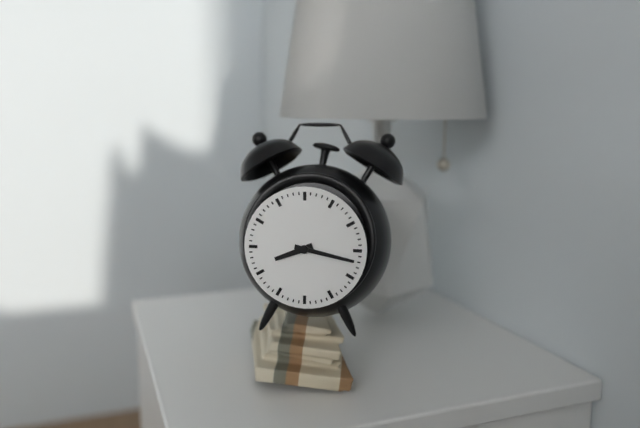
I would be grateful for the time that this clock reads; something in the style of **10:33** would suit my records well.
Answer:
**8:17**
